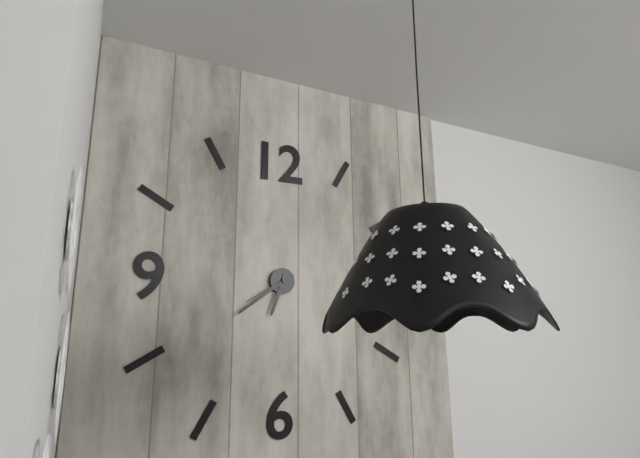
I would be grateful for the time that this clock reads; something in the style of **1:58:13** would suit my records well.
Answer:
**6:39:40**
